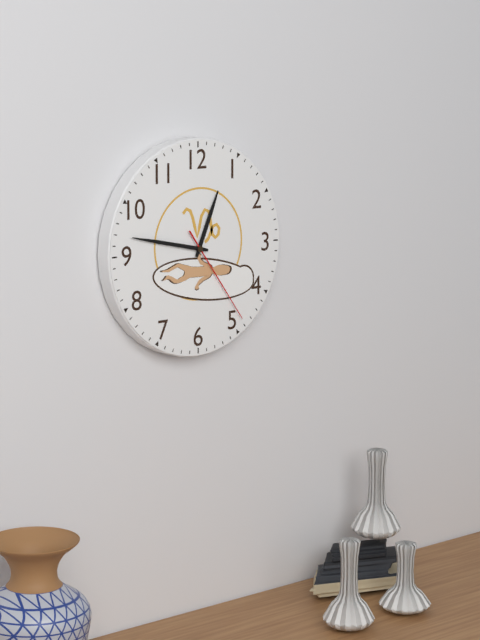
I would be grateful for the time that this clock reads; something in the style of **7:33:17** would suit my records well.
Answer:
**12:47:24**
